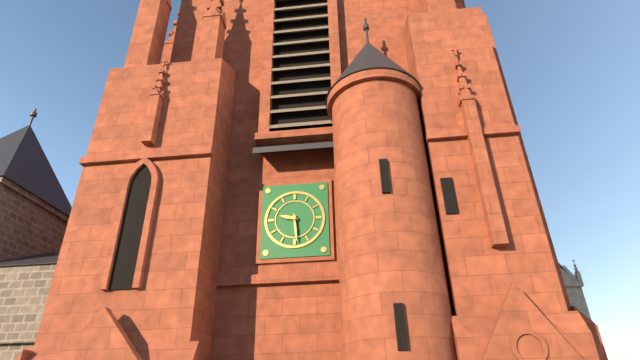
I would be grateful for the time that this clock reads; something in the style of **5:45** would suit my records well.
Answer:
**9:29**
